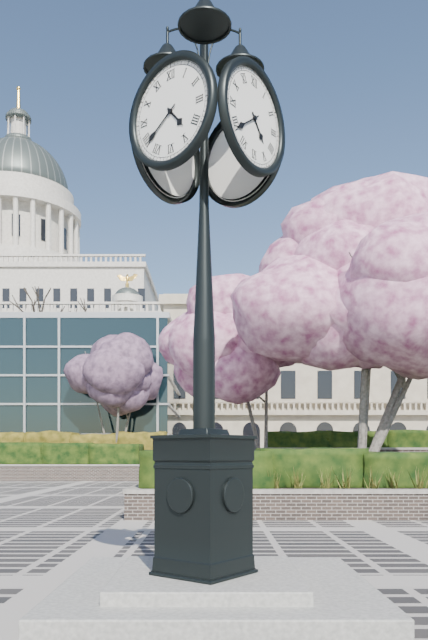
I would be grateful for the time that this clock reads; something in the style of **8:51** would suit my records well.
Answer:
**4:39**
